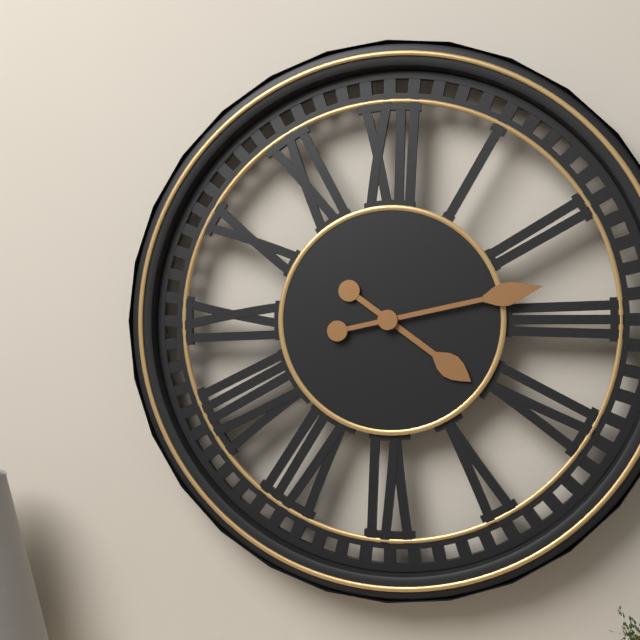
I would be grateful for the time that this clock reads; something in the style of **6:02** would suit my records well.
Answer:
**4:13**
